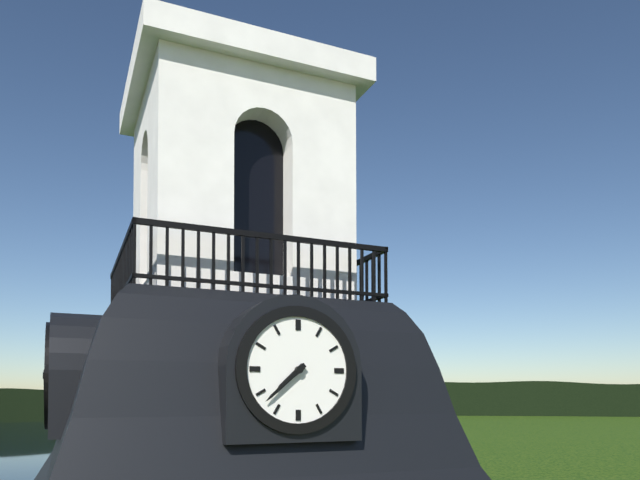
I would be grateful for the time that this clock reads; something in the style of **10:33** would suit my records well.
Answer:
**7:38**
